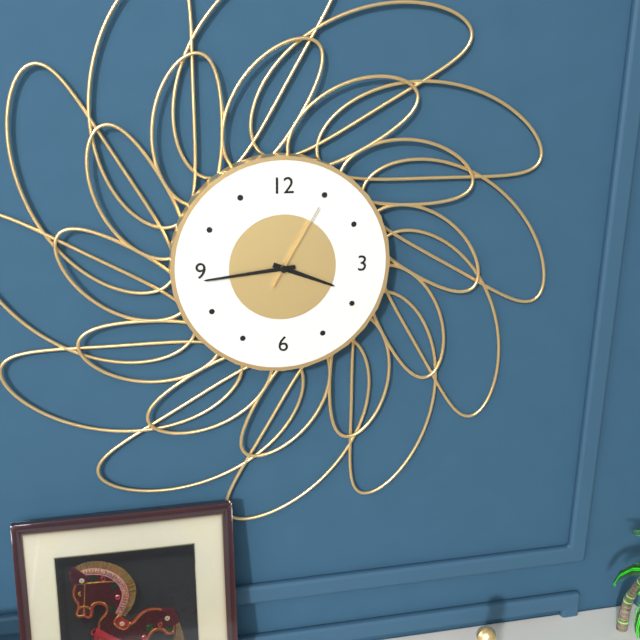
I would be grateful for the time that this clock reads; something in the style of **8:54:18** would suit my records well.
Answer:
**3:44:05**
